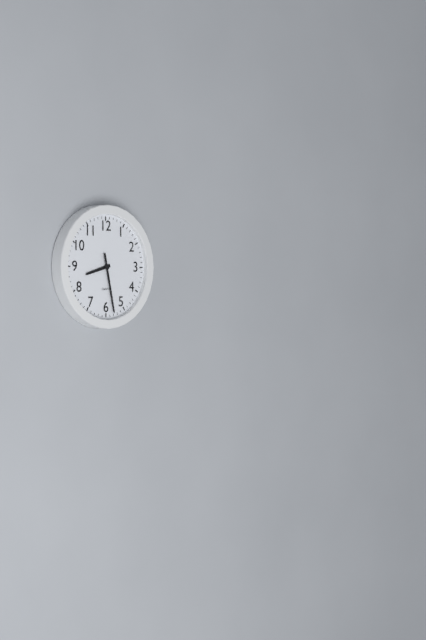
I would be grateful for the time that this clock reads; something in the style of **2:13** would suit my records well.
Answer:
**8:28**
